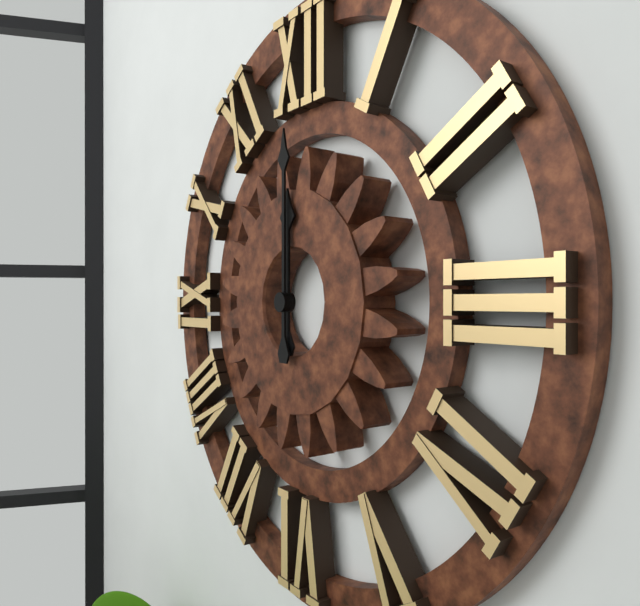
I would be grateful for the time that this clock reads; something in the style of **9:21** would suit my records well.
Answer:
**12:00**
